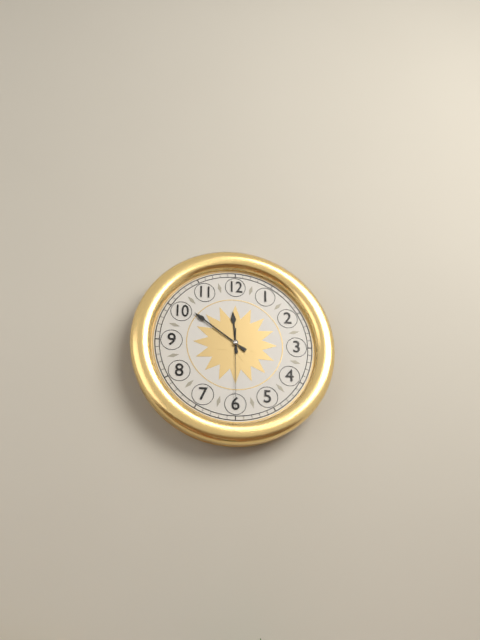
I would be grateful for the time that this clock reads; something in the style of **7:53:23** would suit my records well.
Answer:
**11:51:30**
